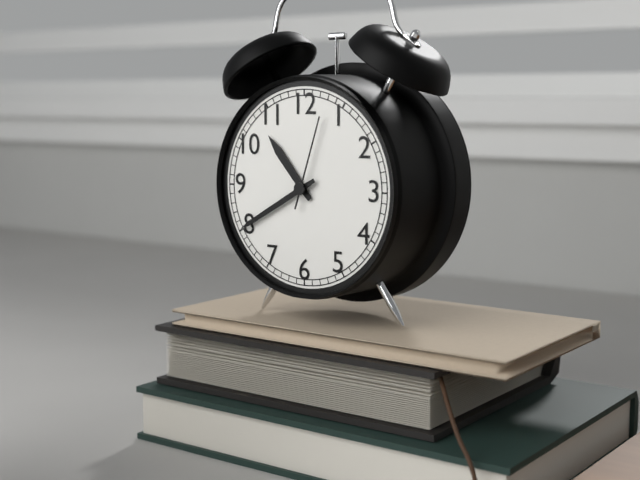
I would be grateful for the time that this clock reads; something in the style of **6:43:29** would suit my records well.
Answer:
**10:40:03**
